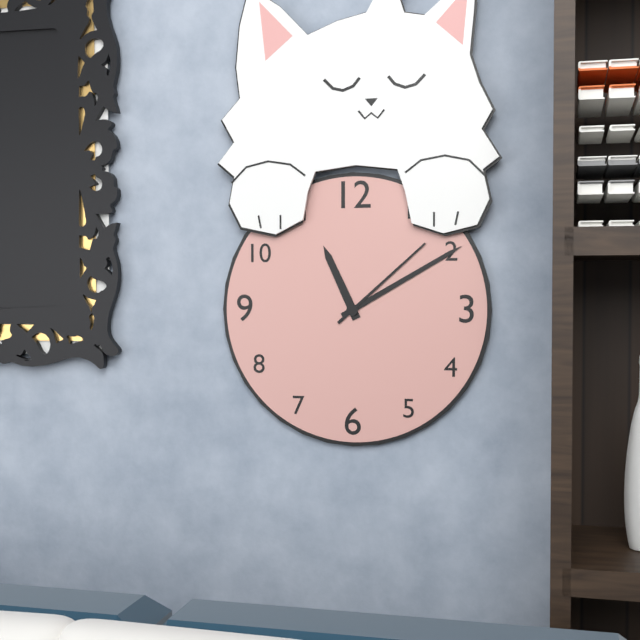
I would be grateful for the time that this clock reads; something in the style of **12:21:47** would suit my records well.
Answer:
**11:10:08**
